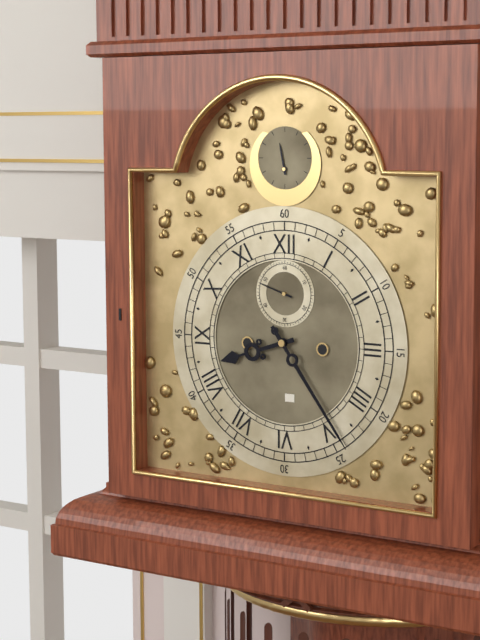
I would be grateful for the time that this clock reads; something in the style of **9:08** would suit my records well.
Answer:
**8:24**
